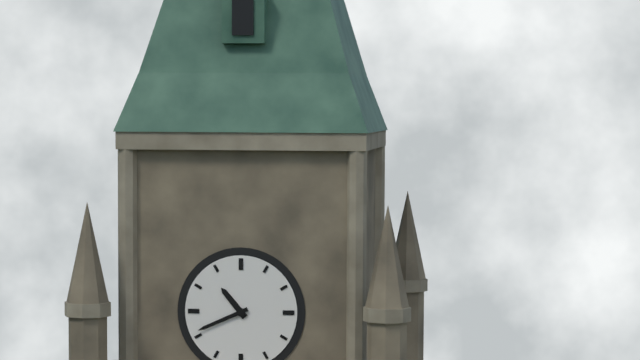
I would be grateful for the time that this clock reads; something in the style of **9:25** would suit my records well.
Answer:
**10:41**
